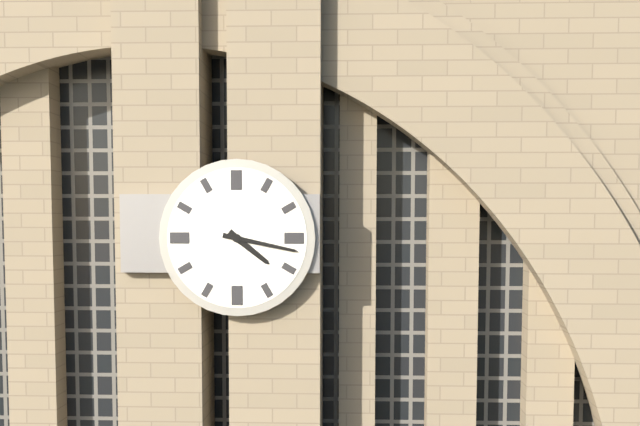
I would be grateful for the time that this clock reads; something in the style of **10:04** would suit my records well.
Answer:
**4:17**
